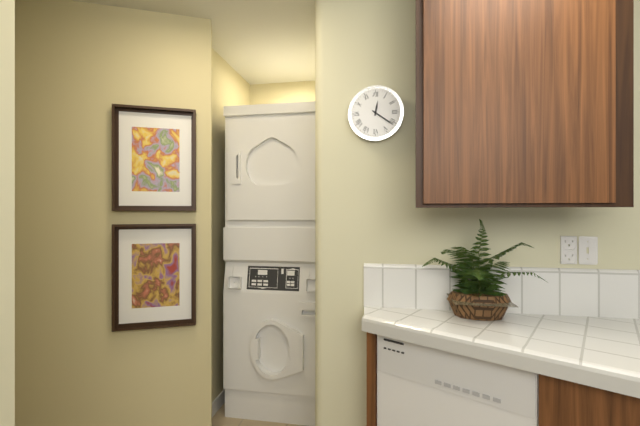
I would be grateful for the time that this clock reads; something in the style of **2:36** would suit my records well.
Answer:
**12:21**
